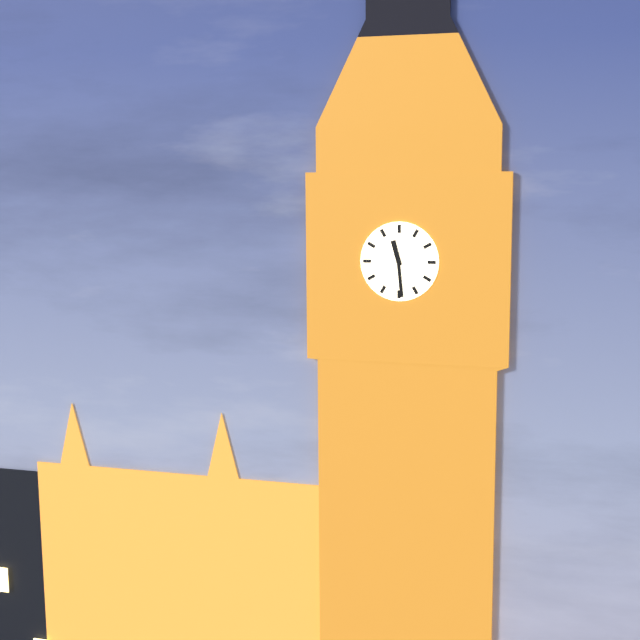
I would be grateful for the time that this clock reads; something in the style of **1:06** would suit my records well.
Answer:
**11:29**
